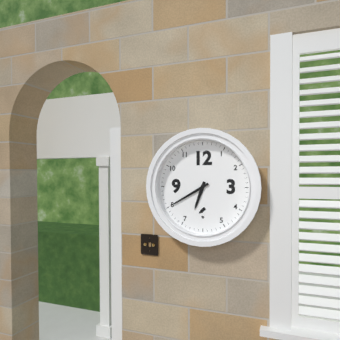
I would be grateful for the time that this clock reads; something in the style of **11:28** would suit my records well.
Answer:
**6:40**
